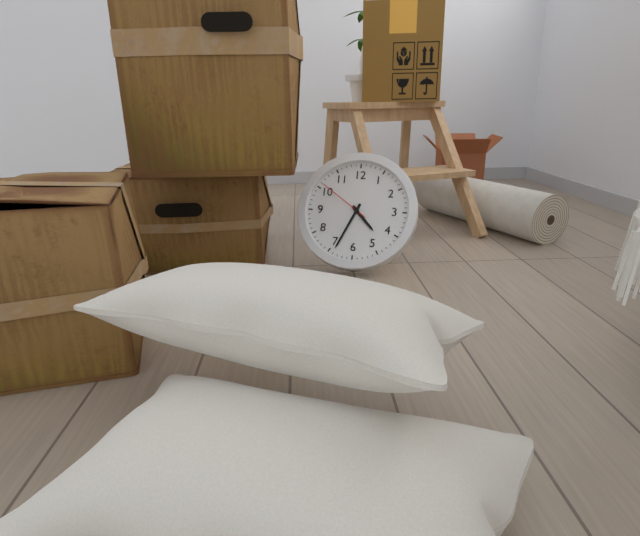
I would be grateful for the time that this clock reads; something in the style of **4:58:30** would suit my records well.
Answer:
**4:34:51**
